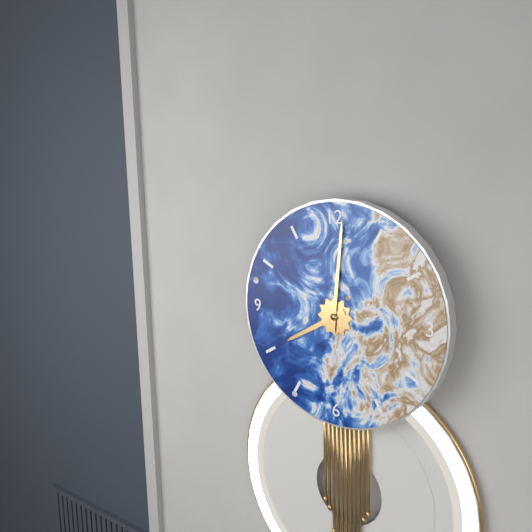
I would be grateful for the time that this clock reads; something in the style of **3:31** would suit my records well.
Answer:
**8:01**
